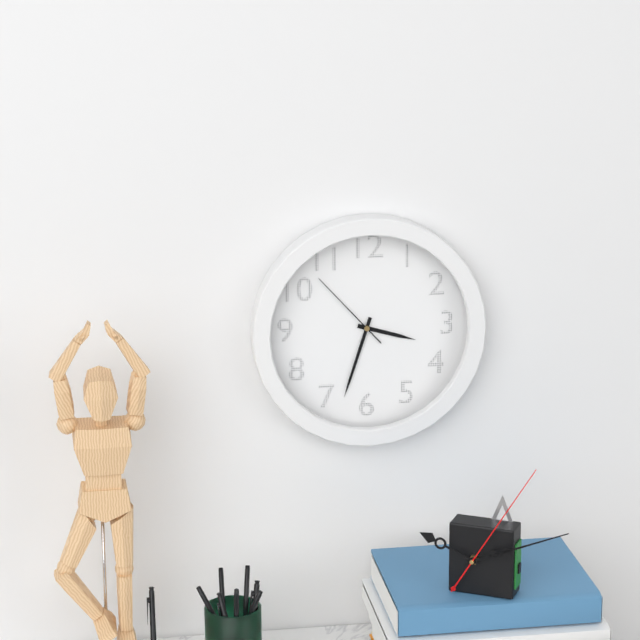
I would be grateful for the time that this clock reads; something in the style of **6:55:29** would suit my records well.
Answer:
**3:33:53**
